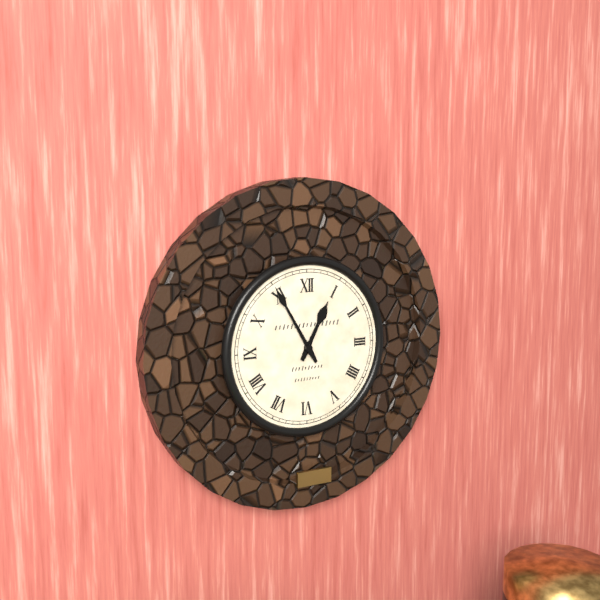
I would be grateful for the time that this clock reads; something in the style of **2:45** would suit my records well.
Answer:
**12:55**
